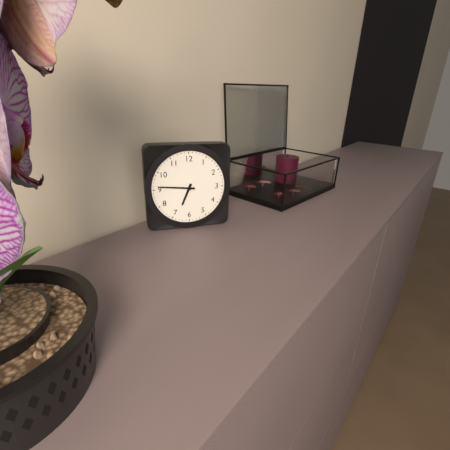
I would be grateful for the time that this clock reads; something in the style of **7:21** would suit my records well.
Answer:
**6:46**
